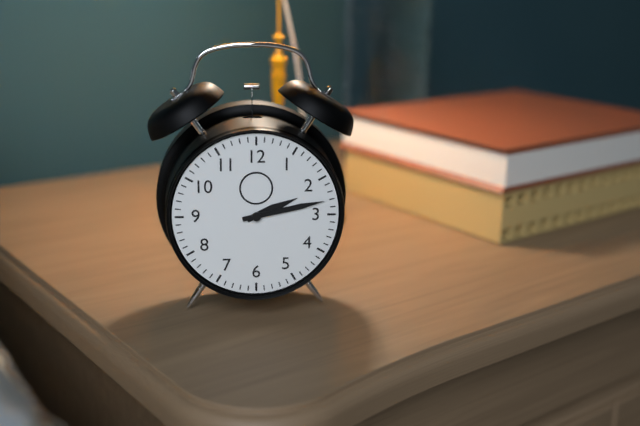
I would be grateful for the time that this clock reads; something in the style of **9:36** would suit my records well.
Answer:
**2:13**
